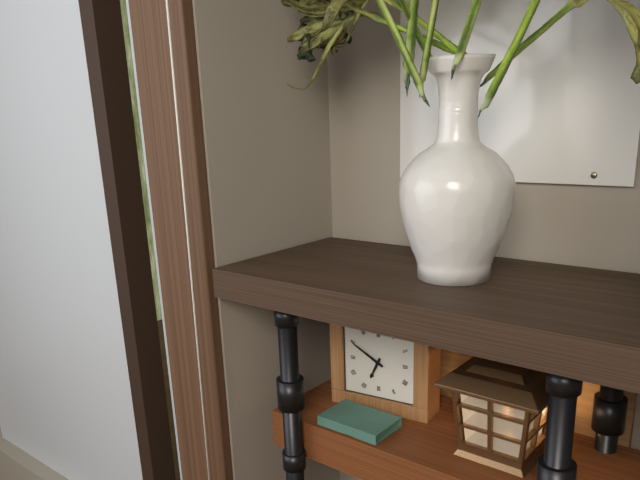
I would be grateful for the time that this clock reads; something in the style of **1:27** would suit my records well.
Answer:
**6:50**
